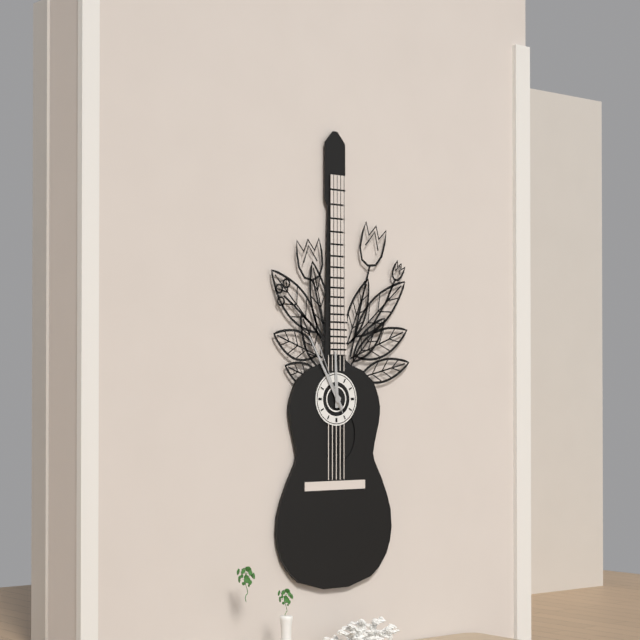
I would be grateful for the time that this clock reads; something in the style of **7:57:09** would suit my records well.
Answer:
**11:55:56**
